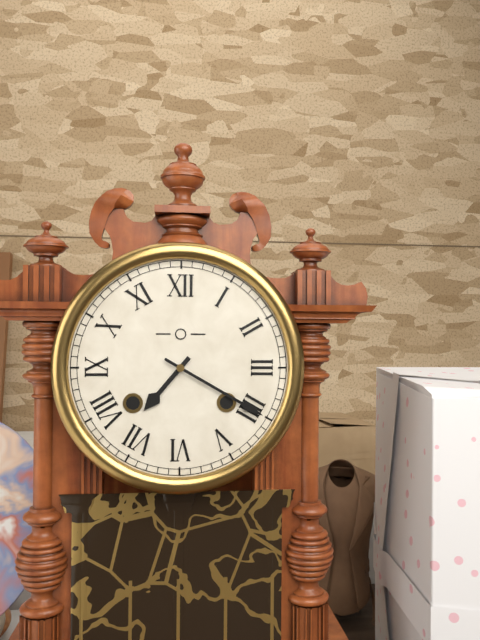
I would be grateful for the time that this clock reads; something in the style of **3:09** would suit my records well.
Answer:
**7:20**
